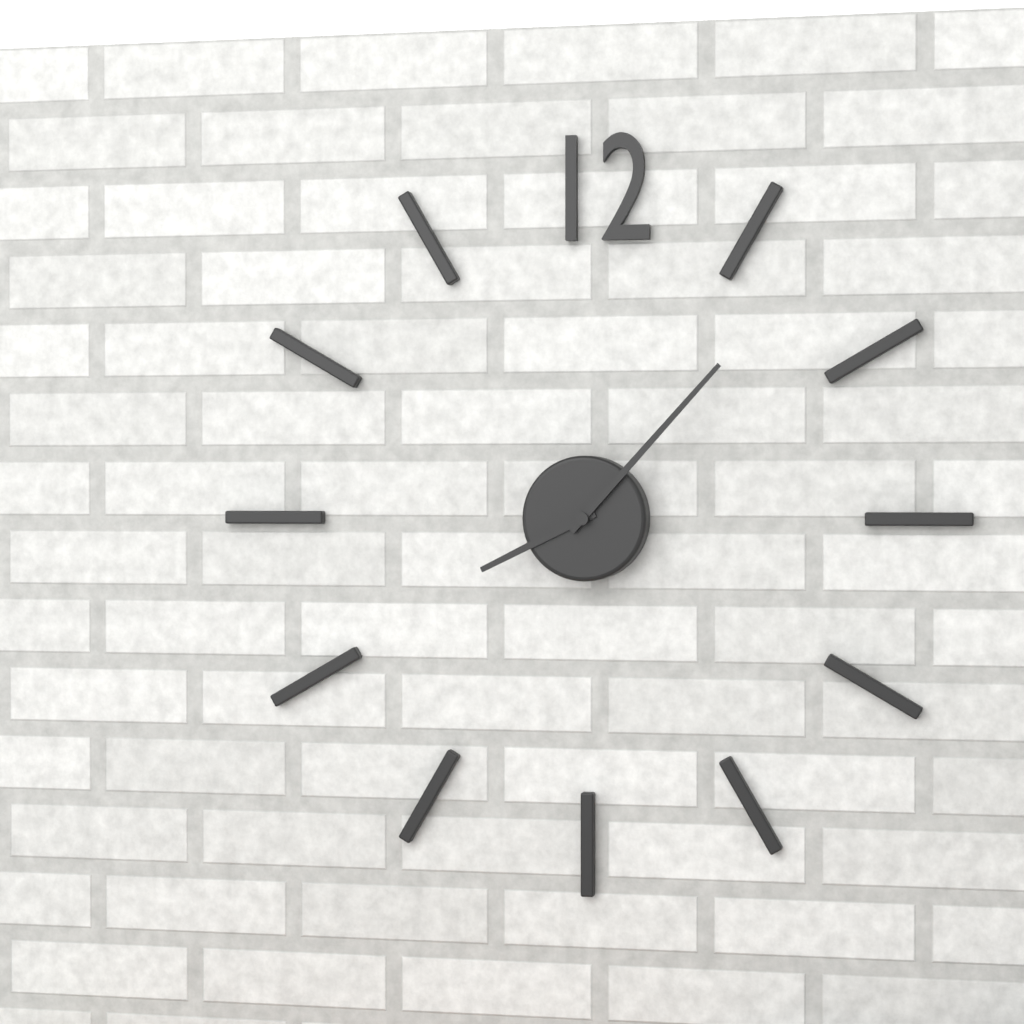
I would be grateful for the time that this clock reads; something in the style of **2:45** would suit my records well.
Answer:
**8:07**
